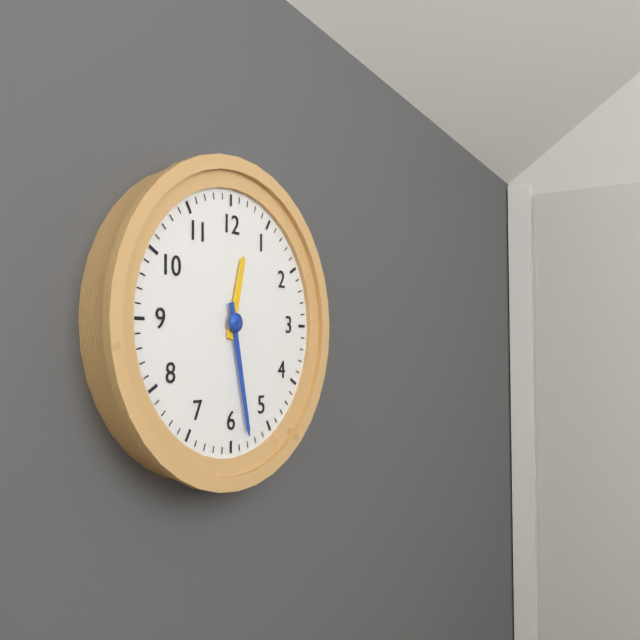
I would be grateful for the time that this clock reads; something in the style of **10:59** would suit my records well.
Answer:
**12:28**
